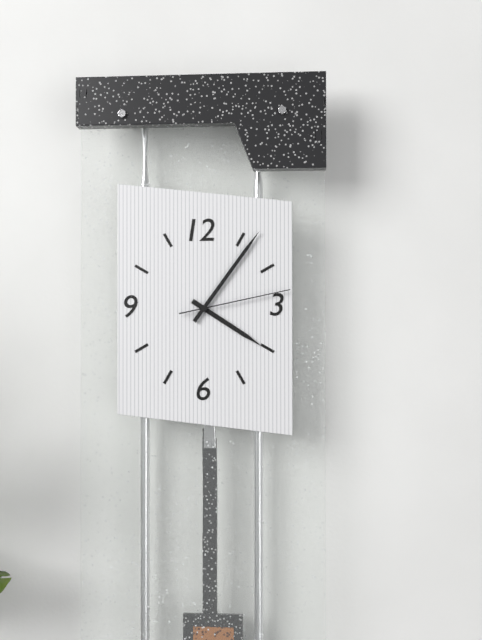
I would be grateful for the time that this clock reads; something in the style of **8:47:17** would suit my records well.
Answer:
**4:06:13**
